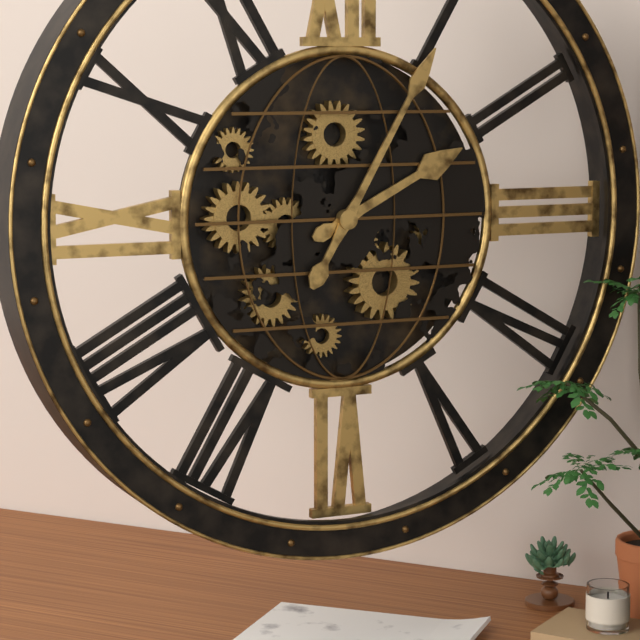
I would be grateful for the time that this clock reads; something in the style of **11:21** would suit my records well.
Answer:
**2:05**
